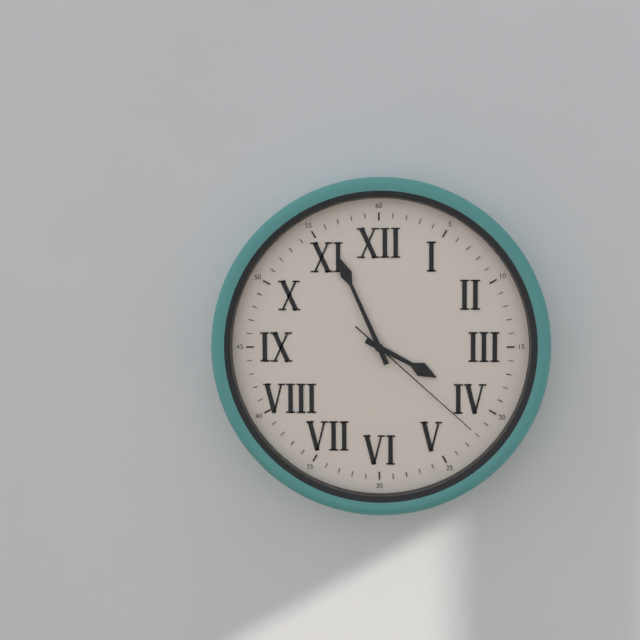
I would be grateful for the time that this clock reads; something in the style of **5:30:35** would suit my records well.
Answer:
**3:56:22**
